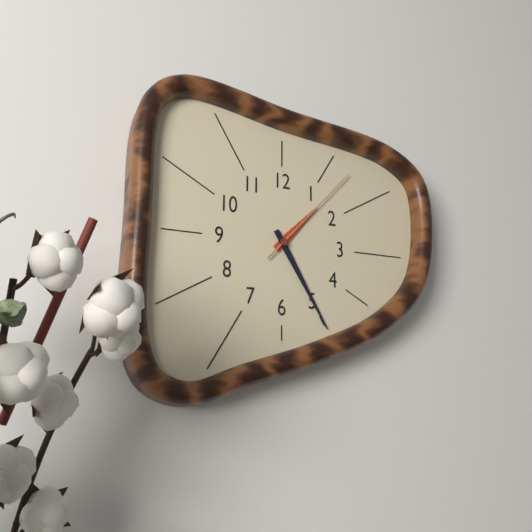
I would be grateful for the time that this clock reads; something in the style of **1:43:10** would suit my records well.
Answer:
**1:25:07**
